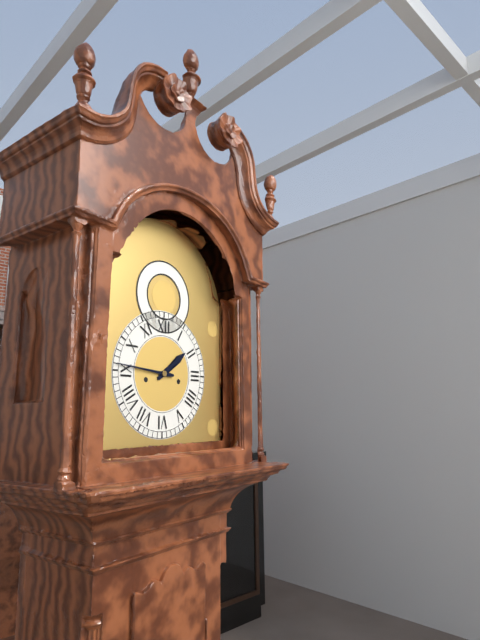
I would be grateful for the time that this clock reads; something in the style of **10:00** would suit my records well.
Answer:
**1:46**
